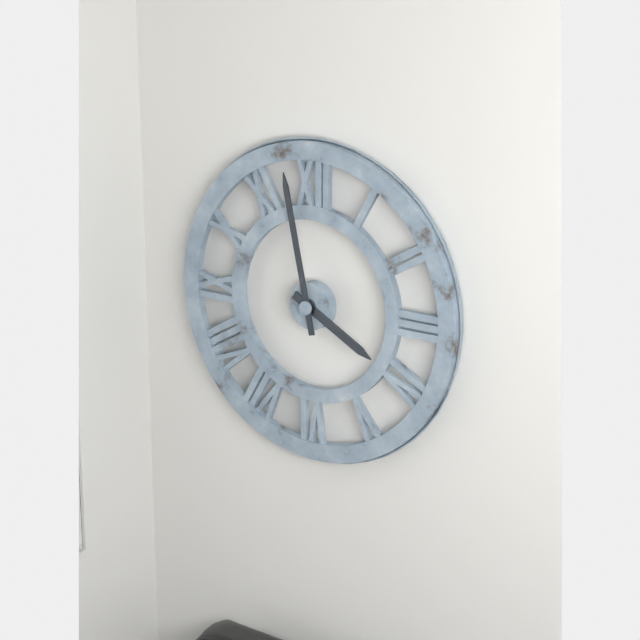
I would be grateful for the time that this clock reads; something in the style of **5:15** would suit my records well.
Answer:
**3:58**
